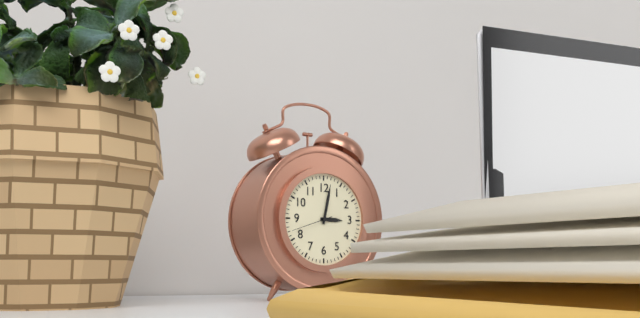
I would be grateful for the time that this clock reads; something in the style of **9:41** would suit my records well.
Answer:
**3:02**
